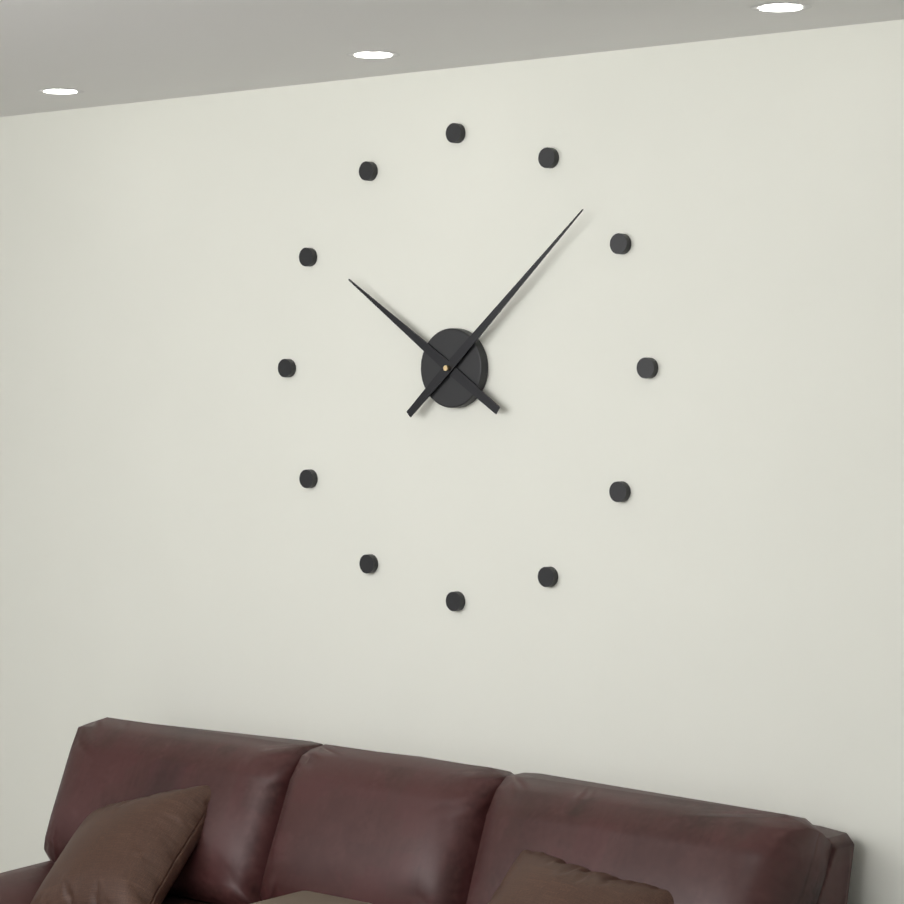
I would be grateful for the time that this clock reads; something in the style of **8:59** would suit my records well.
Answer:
**10:08**
